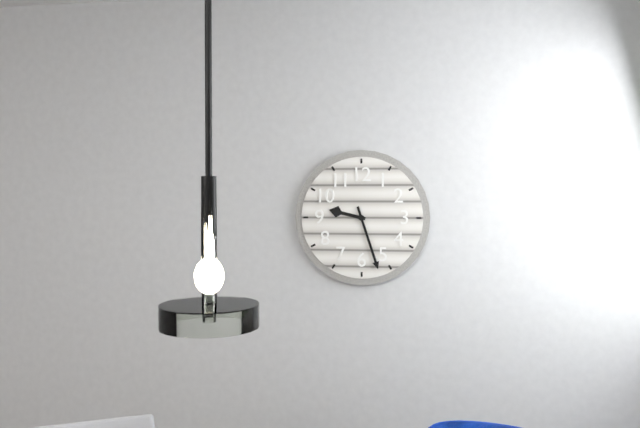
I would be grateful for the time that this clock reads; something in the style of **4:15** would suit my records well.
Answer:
**9:27**
